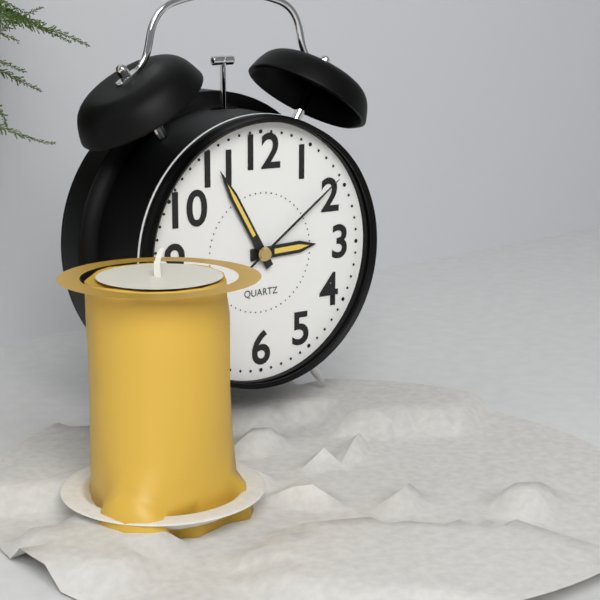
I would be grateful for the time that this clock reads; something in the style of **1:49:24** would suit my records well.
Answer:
**2:55:09**
